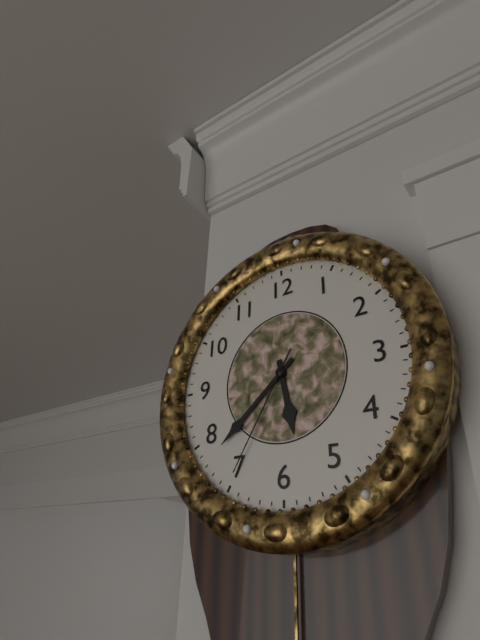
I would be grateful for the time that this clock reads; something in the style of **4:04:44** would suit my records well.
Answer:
**5:38:35**
